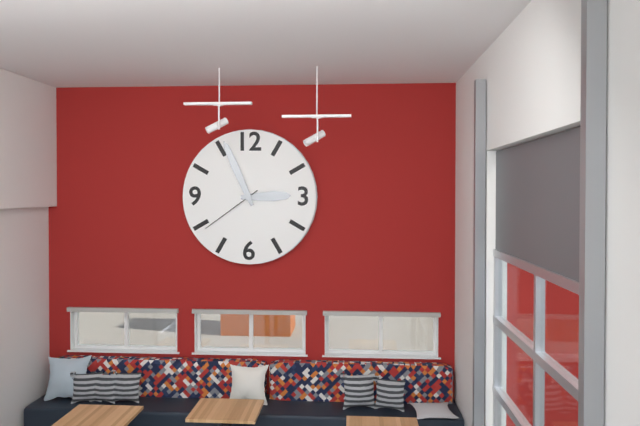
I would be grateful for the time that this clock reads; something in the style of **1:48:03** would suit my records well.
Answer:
**2:56:39**
